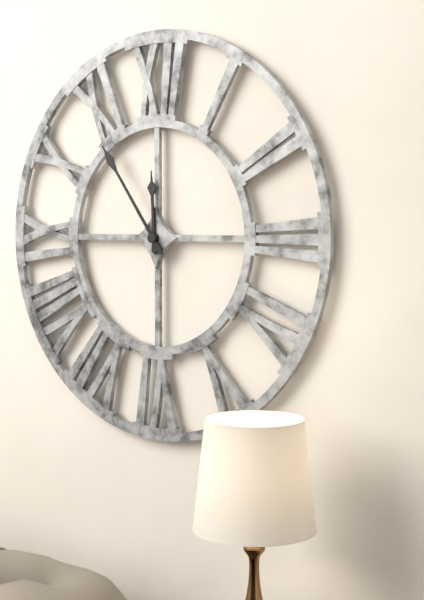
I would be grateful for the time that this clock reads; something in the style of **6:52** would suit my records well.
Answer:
**11:54**
